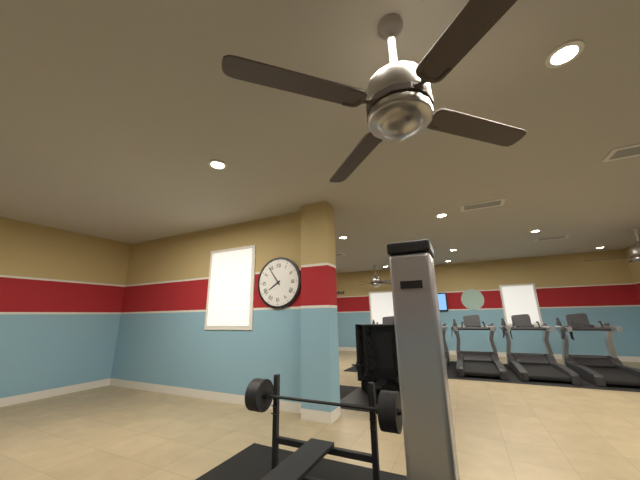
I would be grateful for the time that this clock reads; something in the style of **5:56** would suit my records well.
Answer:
**7:54**
